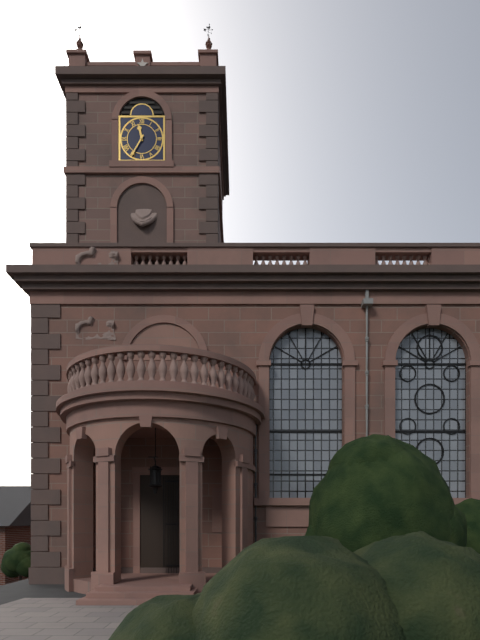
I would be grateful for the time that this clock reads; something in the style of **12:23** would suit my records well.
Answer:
**11:35**
